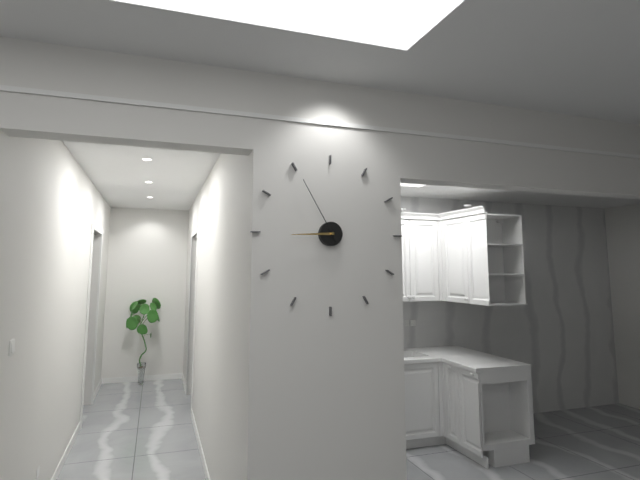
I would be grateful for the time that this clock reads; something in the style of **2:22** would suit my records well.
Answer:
**8:55**
